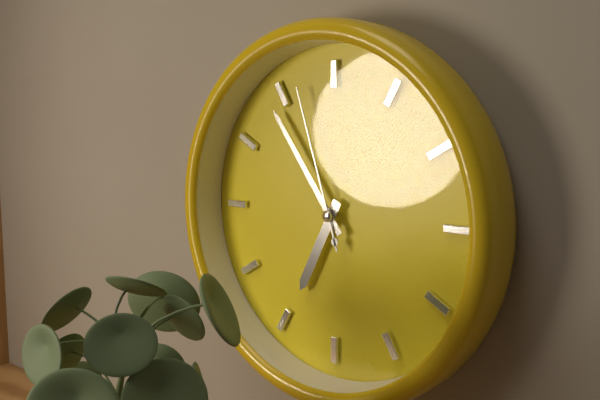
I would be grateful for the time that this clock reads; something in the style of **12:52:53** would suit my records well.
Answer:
**6:54:57**
